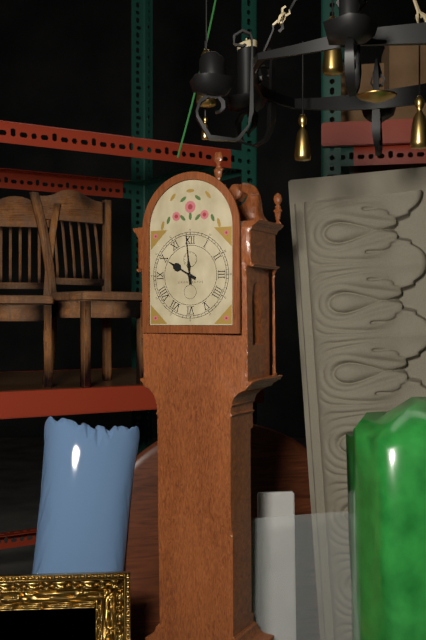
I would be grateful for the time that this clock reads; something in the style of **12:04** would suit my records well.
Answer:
**9:59**
